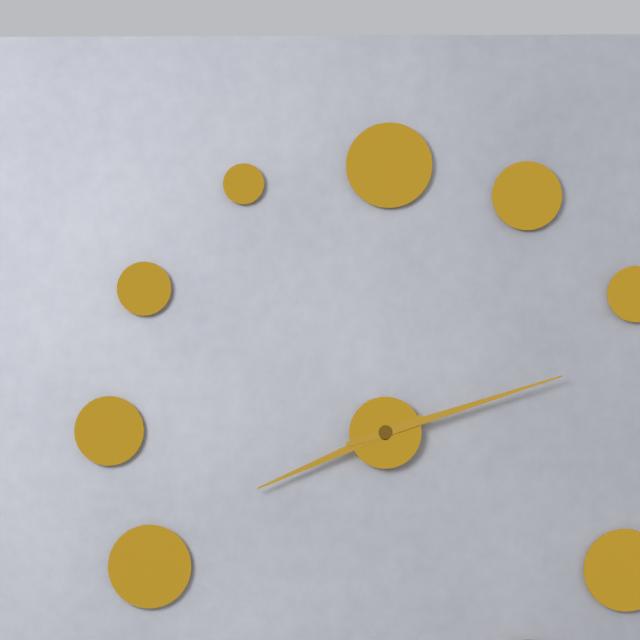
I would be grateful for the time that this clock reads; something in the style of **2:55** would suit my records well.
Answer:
**8:12**
